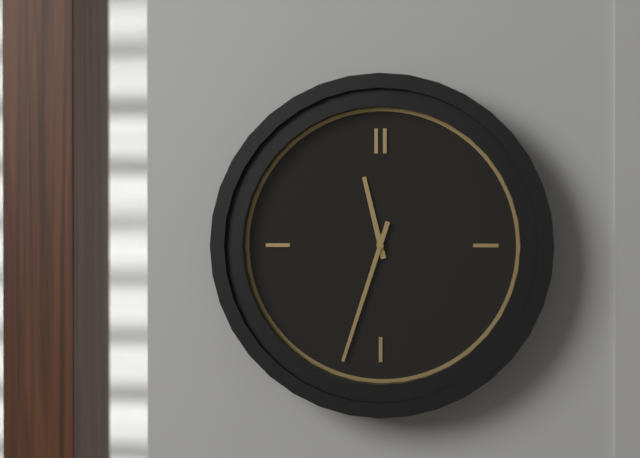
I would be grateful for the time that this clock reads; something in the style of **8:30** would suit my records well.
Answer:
**11:33**
